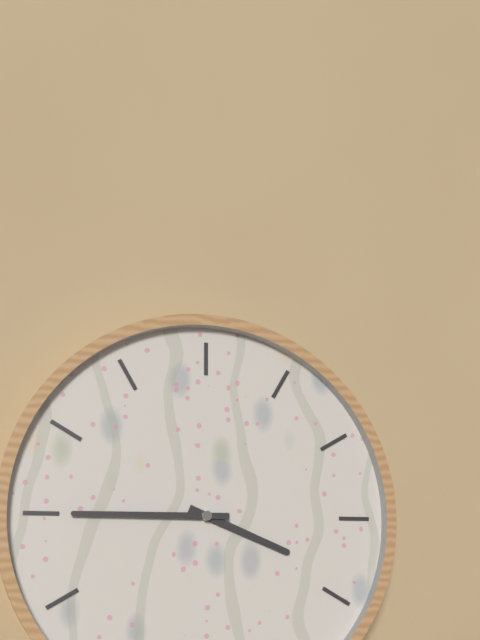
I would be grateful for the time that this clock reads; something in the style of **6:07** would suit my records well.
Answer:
**3:45**
